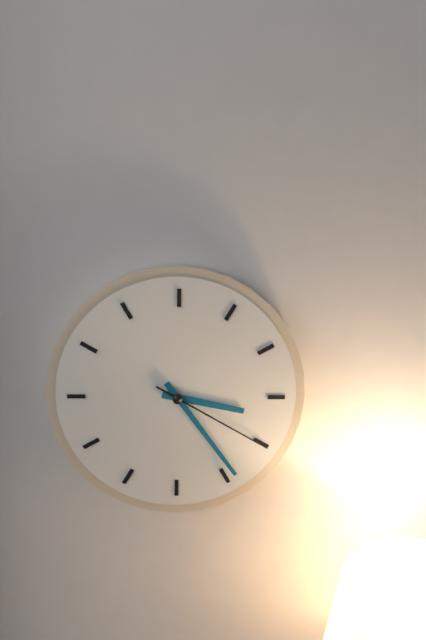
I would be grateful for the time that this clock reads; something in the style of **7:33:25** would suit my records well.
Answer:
**3:24:20**
